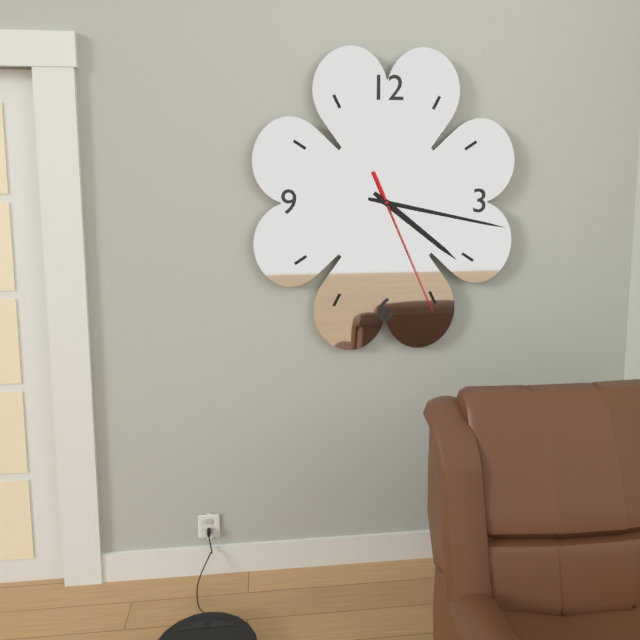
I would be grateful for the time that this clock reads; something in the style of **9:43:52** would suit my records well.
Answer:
**4:17:26**
